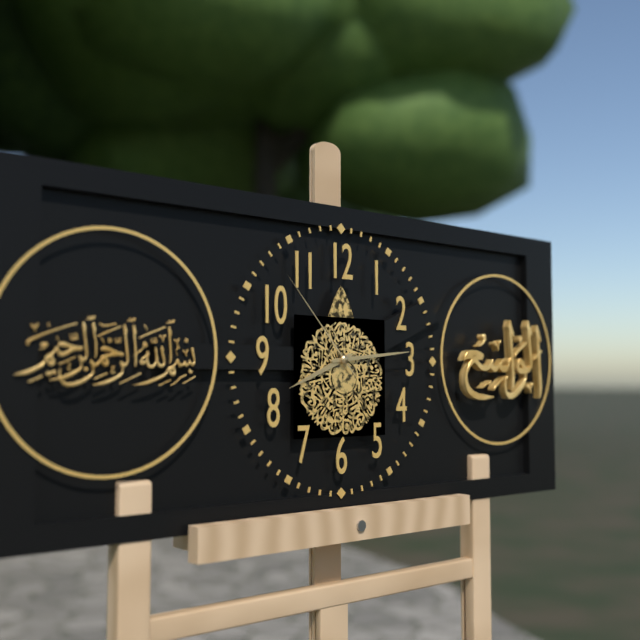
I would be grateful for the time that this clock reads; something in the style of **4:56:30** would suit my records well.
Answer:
**8:14:53**
